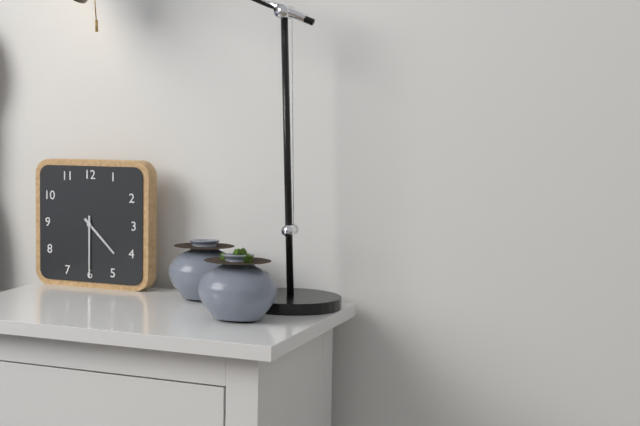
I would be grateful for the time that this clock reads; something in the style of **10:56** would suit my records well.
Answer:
**4:30**
